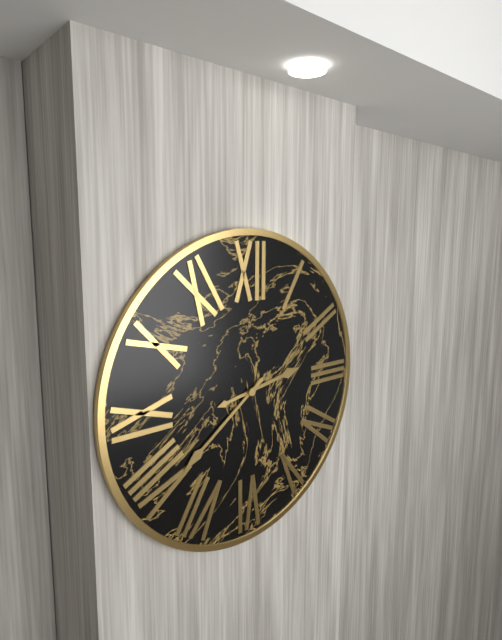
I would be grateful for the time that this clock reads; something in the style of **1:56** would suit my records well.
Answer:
**2:39**
